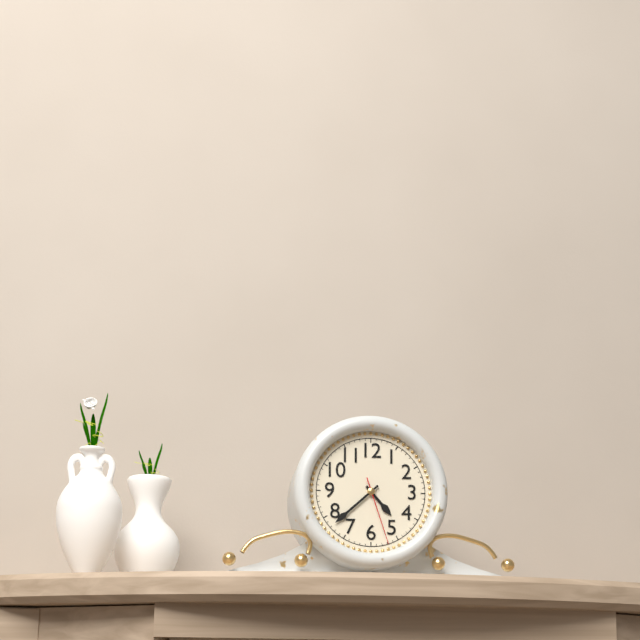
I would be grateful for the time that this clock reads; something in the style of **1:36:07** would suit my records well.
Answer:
**4:38:27**
